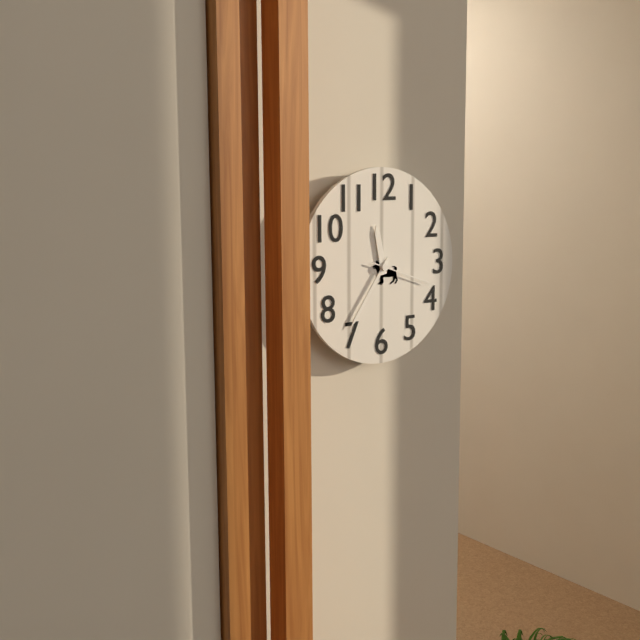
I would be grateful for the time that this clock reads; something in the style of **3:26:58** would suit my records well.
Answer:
**11:36:18**
